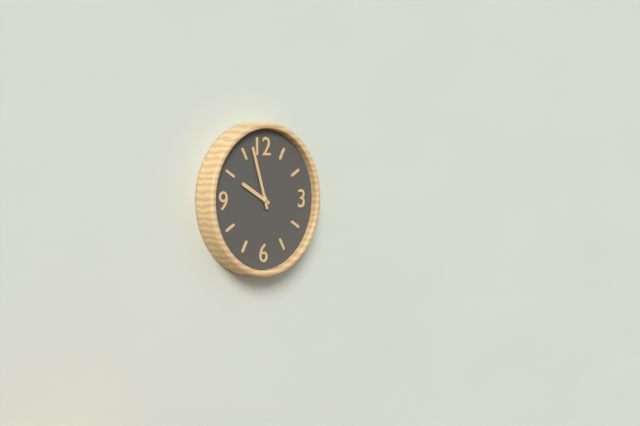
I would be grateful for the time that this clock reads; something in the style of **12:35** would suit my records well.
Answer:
**9:57**
